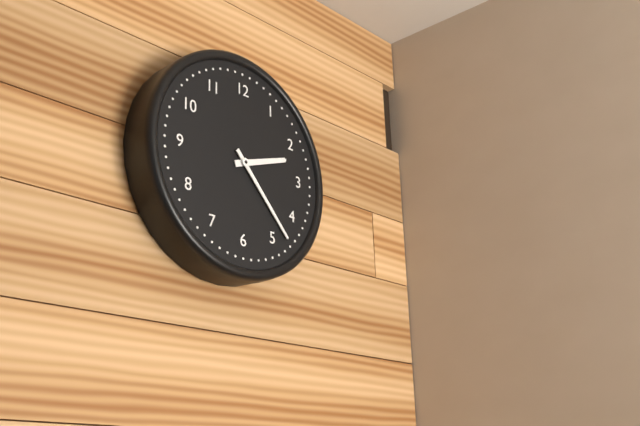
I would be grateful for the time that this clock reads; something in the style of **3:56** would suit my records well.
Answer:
**2:23**
